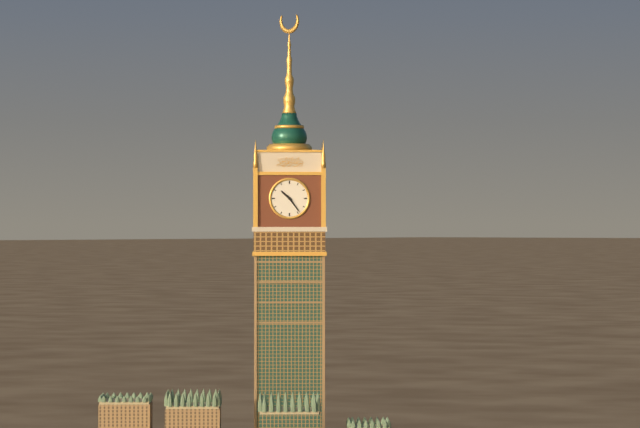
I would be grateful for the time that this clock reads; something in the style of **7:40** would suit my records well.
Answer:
**10:24**
